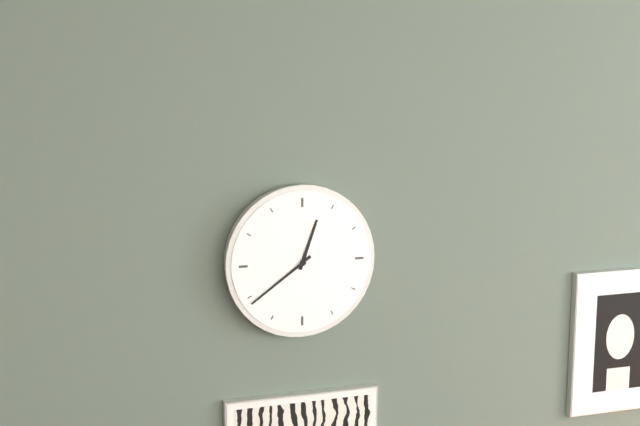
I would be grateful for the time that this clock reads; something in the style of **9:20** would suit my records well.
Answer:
**12:39**
